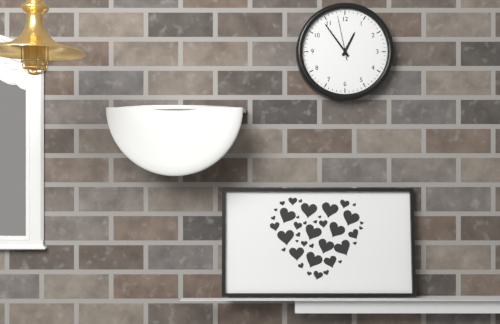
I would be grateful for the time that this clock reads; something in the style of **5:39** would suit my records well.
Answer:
**12:54**
